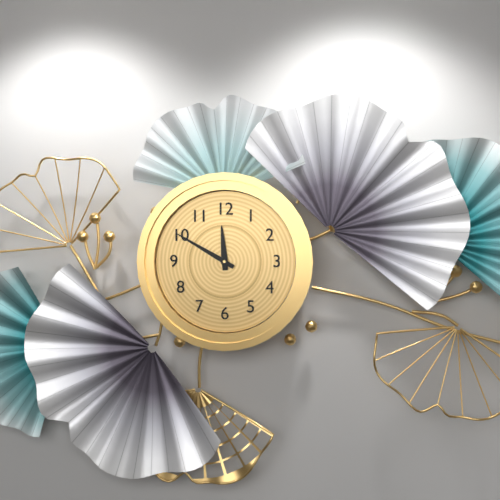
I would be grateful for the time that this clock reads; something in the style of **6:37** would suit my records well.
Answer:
**11:50**
